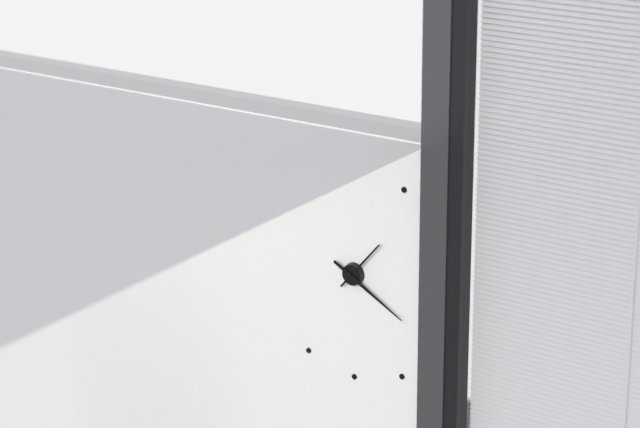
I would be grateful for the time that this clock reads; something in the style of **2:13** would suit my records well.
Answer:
**1:20**
